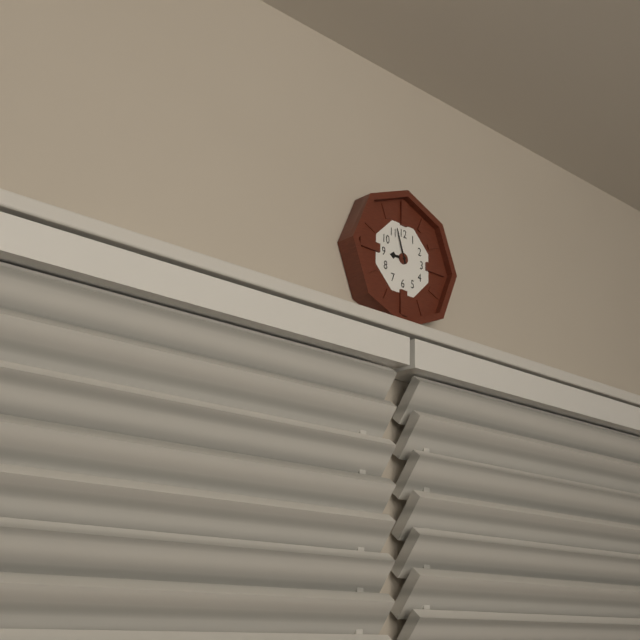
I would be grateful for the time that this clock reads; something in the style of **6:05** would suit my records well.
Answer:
**8:57**
